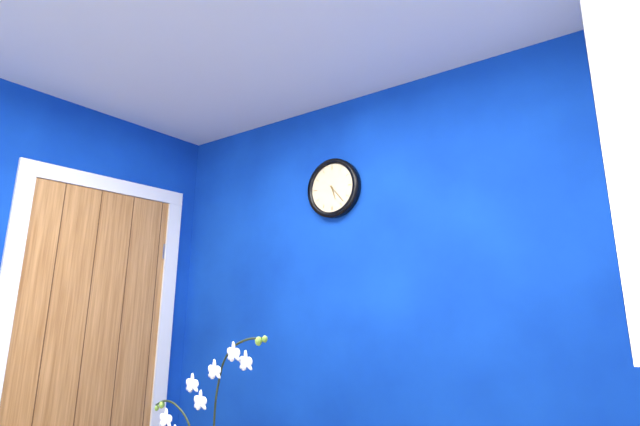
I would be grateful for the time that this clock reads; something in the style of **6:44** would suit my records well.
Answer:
**5:23**
